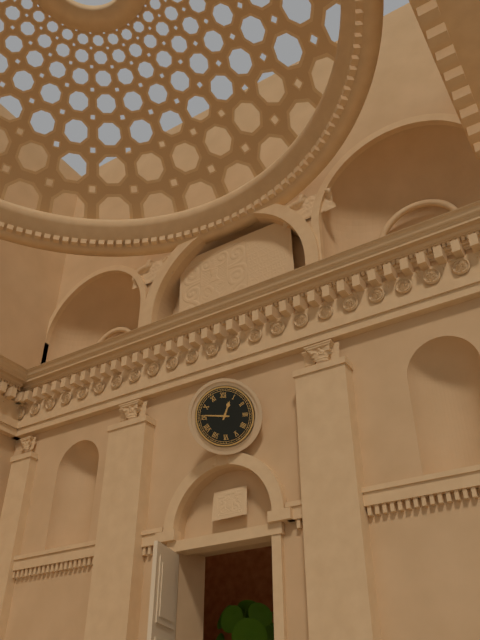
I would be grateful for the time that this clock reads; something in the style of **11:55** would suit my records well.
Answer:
**12:46**
